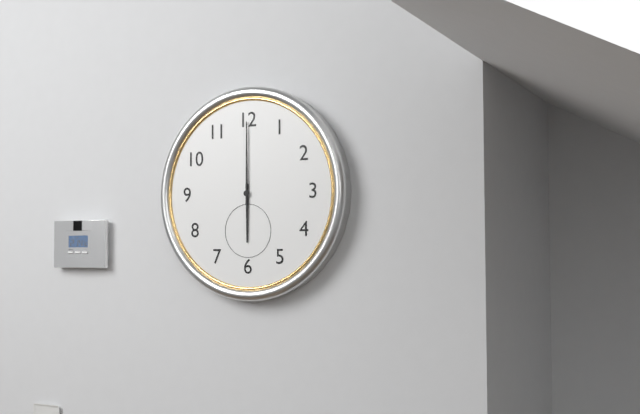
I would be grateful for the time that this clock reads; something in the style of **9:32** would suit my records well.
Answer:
**6:00**
